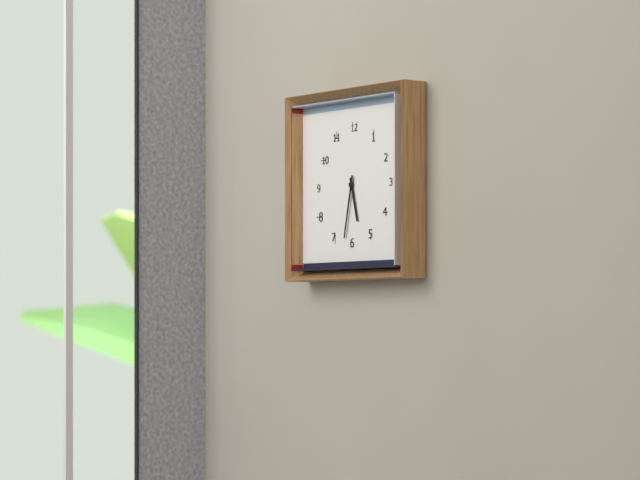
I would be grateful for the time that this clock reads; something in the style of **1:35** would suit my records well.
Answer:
**5:32**
